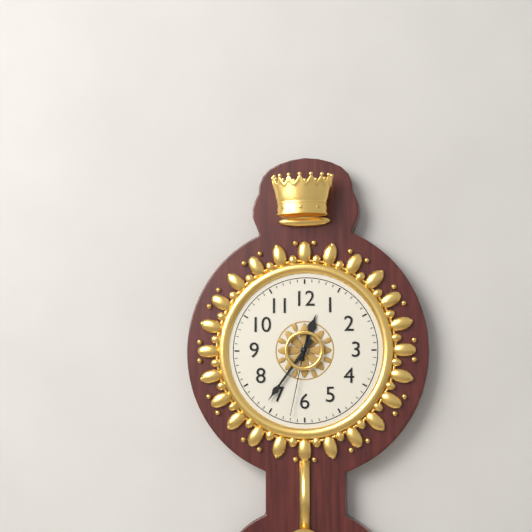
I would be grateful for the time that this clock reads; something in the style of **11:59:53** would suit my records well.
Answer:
**12:36:32**
